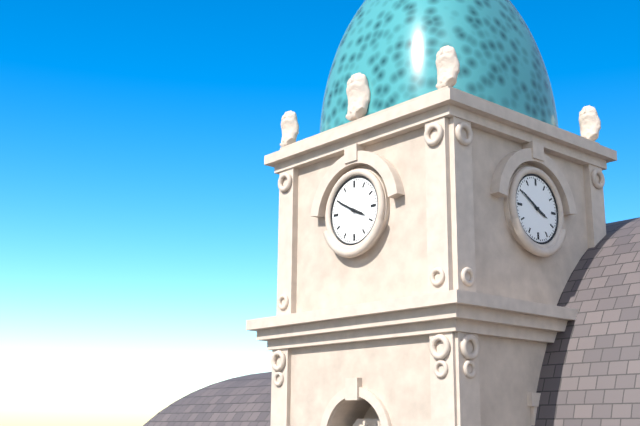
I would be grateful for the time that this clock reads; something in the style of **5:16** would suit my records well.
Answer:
**3:50**
